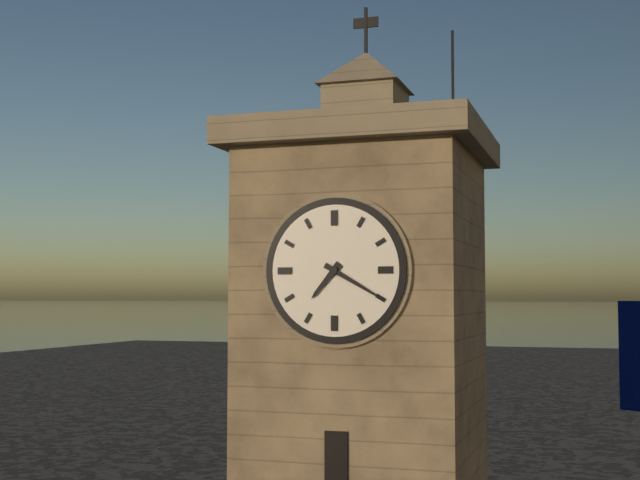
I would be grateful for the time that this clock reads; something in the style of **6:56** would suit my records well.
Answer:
**7:20**
